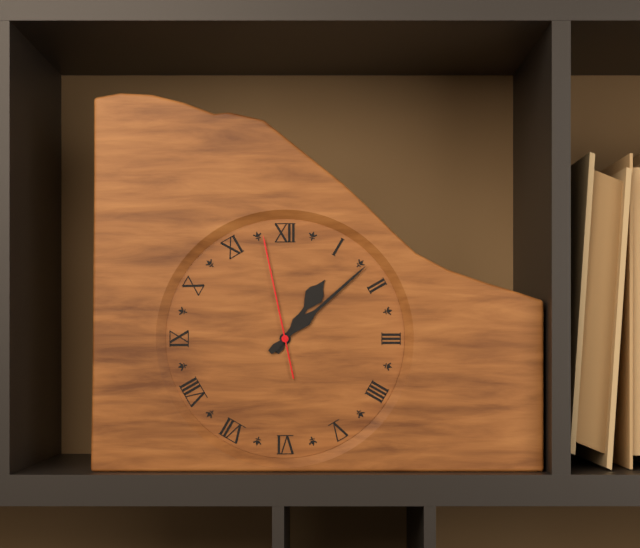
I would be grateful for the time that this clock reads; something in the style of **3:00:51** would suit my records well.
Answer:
**1:08:58**
